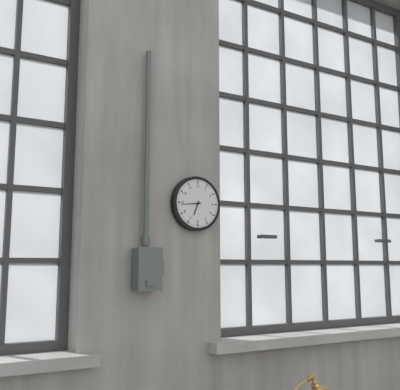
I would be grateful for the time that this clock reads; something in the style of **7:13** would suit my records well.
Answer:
**6:44**
